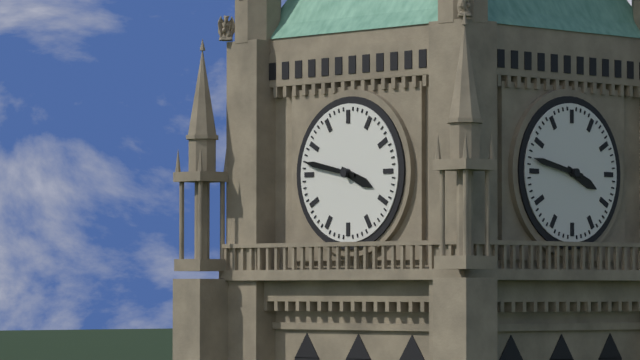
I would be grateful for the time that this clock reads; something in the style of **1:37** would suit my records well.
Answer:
**3:47**
